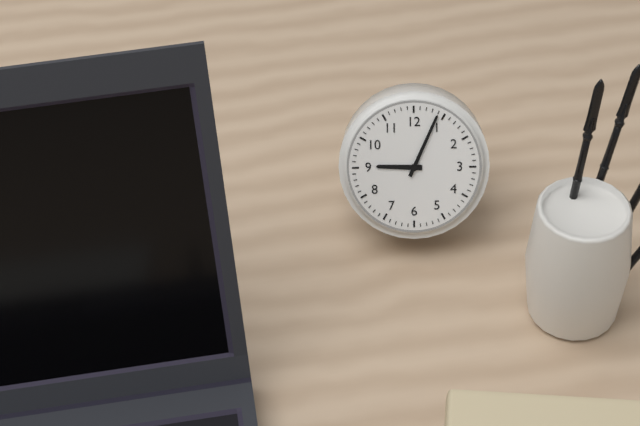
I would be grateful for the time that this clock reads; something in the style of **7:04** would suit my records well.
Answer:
**9:04**
